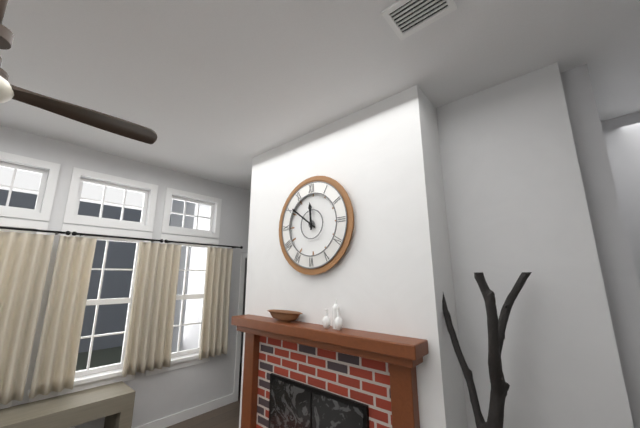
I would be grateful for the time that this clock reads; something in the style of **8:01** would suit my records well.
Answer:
**11:51**
